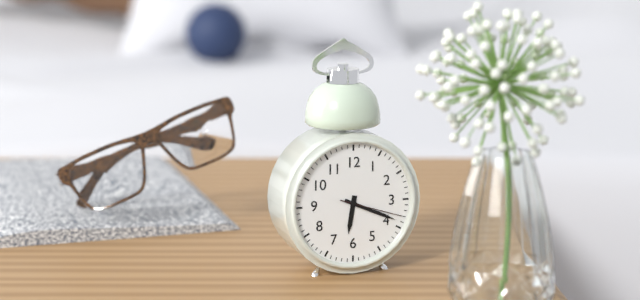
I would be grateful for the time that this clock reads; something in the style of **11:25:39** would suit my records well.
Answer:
**6:19:18**
